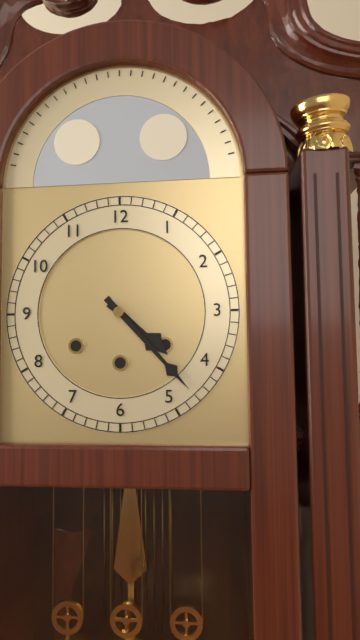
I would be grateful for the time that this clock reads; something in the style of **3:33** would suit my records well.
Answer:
**4:23**
